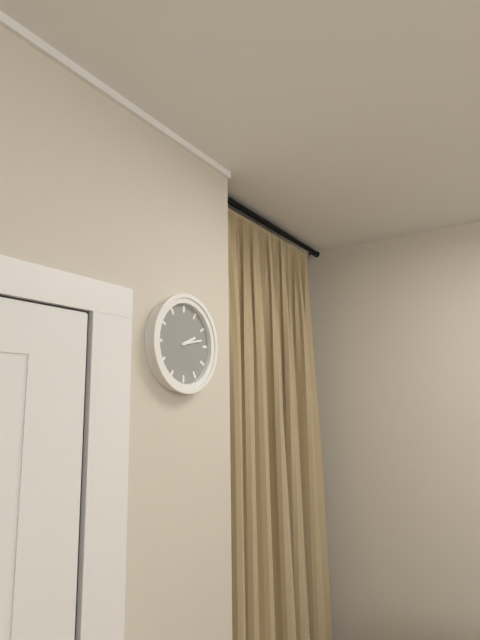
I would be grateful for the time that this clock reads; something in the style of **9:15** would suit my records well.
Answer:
**2:13**
